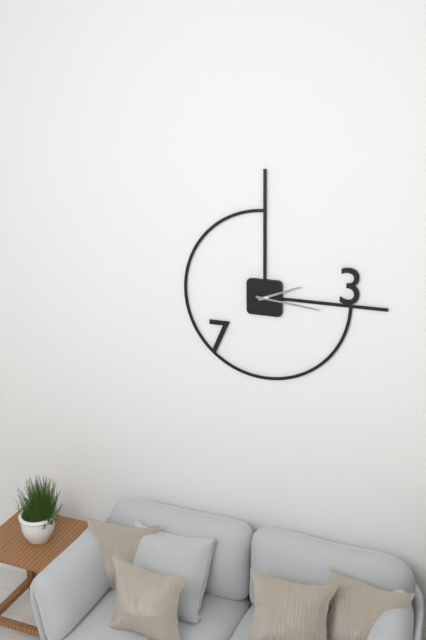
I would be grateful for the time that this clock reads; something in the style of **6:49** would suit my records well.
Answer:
**2:16**
